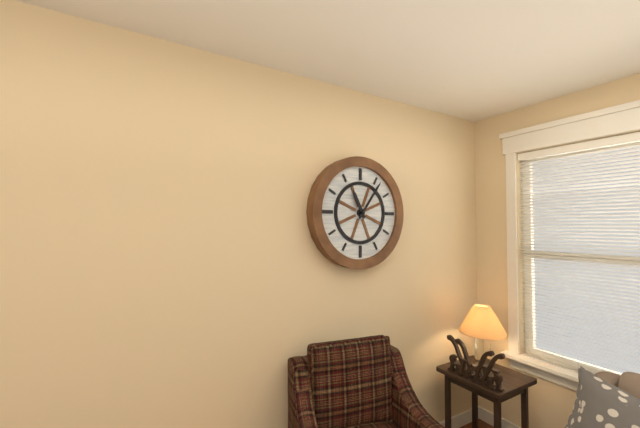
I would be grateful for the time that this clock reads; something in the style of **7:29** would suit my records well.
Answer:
**11:06**
